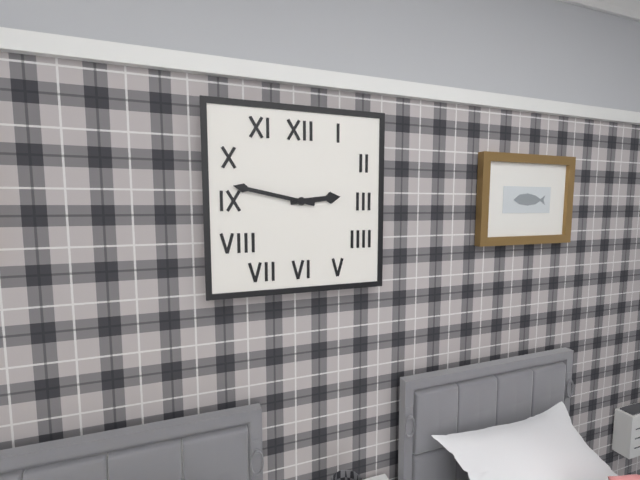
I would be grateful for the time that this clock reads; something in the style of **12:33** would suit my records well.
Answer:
**2:47**
